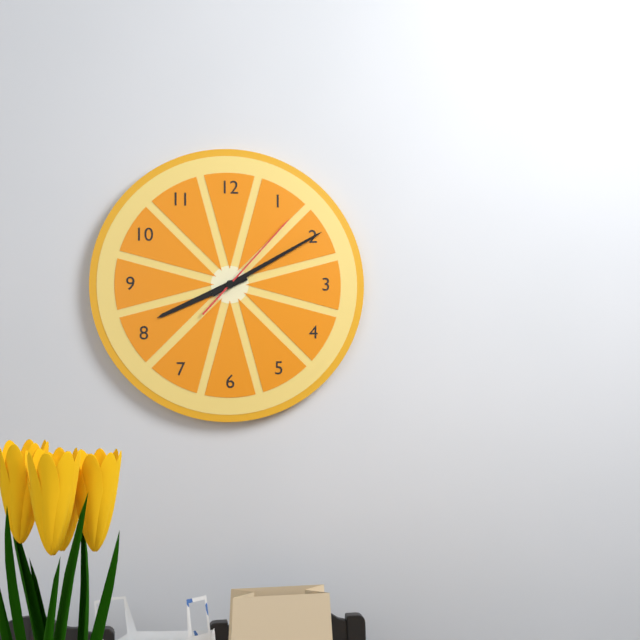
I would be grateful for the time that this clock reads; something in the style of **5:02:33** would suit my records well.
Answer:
**8:10:07**
